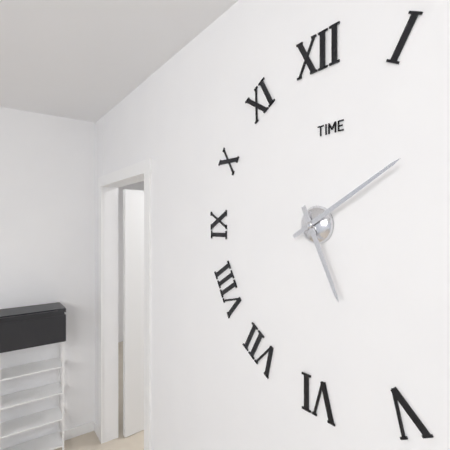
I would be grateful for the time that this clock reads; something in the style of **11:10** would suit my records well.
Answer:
**5:10**
